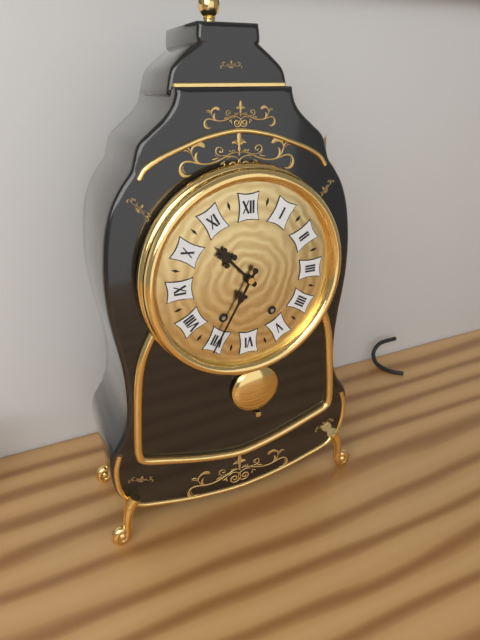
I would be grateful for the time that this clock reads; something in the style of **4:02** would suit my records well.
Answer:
**10:35**
